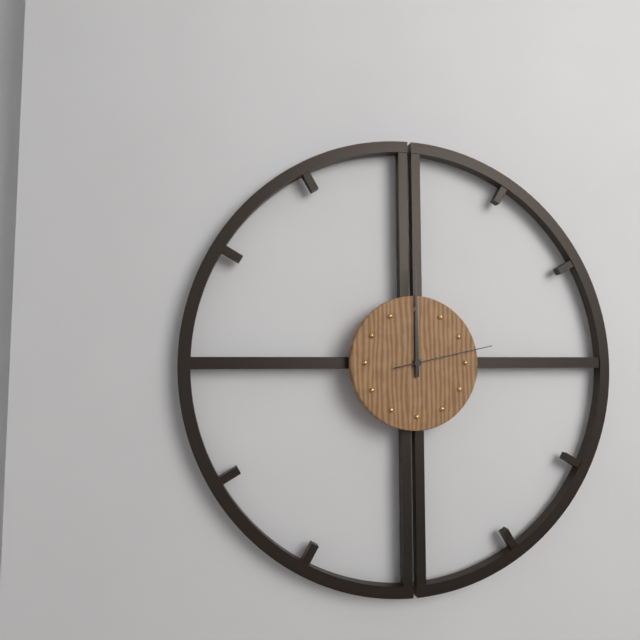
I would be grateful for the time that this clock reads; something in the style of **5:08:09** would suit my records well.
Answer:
**12:00:13**
